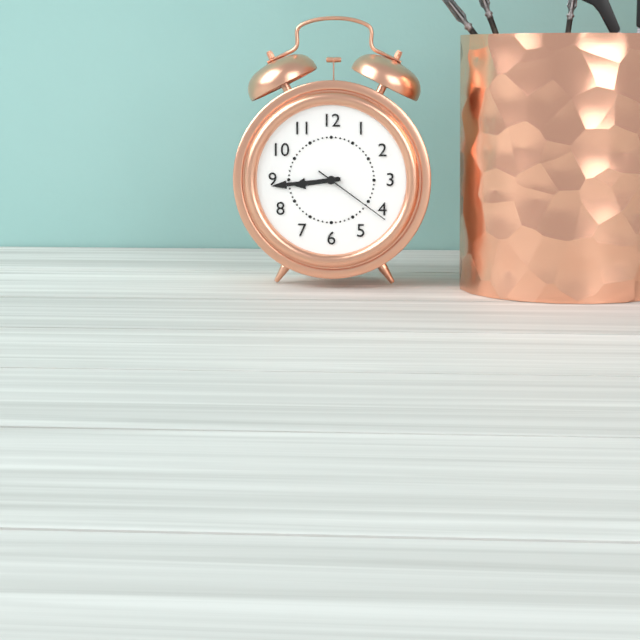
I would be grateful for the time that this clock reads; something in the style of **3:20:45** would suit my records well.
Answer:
**8:44:21**
